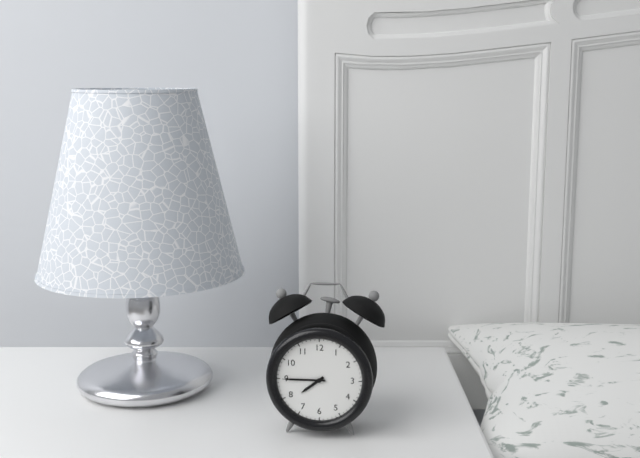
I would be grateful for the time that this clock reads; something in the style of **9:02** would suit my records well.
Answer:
**7:45**
